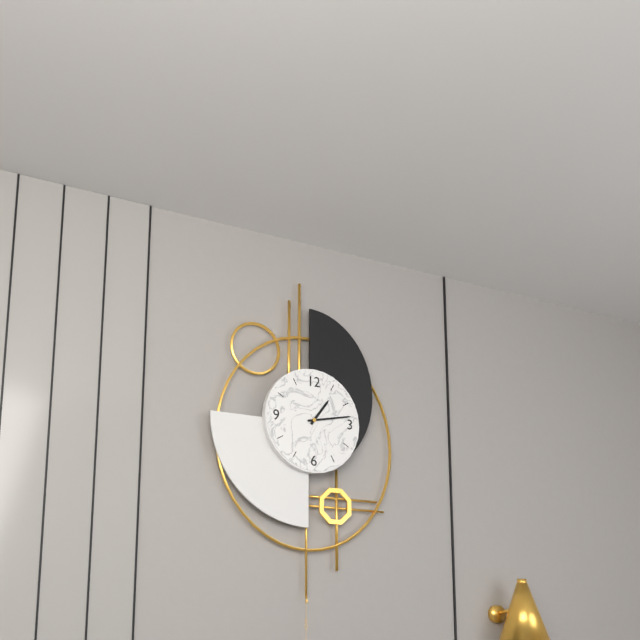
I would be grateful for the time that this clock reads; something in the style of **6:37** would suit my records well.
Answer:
**1:13**
